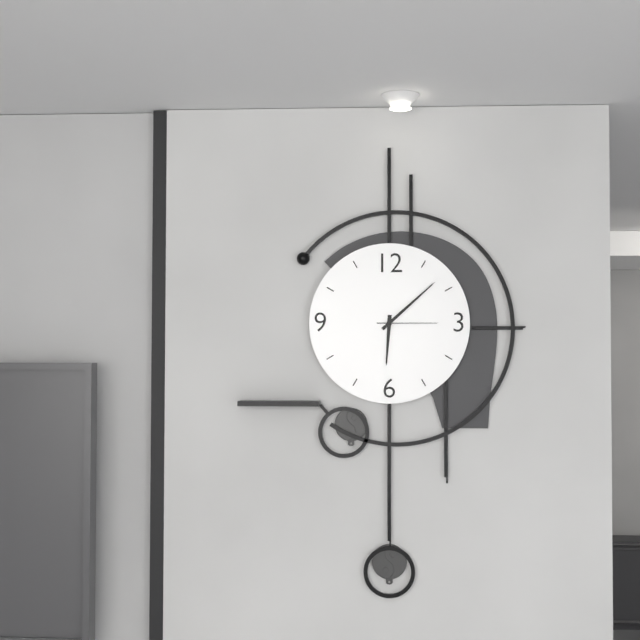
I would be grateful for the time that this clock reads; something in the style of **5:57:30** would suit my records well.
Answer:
**6:08:15**
